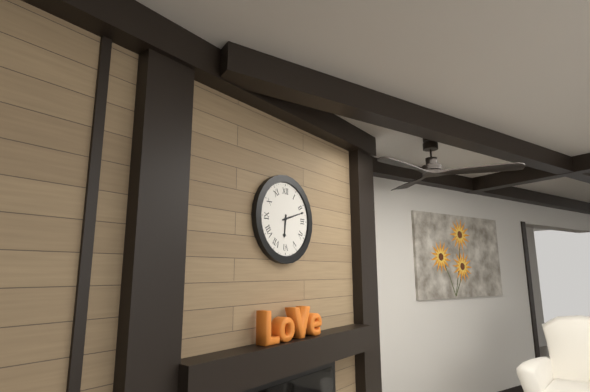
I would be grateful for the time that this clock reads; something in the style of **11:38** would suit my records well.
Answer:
**6:12**
